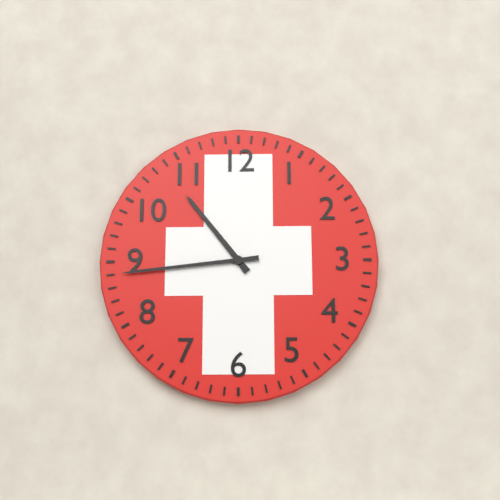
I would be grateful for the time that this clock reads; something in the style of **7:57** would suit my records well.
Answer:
**10:44**
